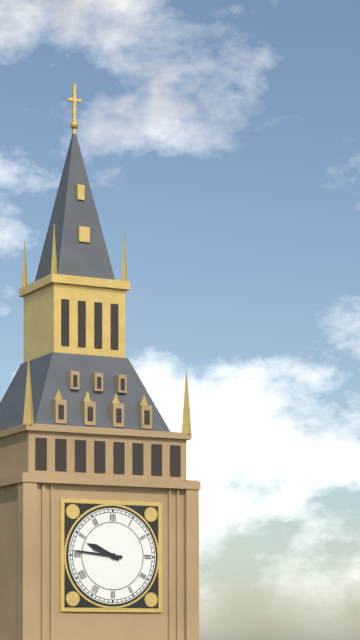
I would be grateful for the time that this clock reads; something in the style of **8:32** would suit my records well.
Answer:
**9:46**
